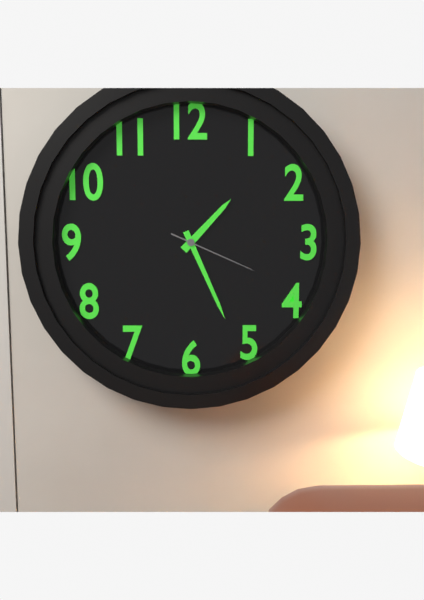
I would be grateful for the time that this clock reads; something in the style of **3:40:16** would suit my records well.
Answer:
**1:26:19**
